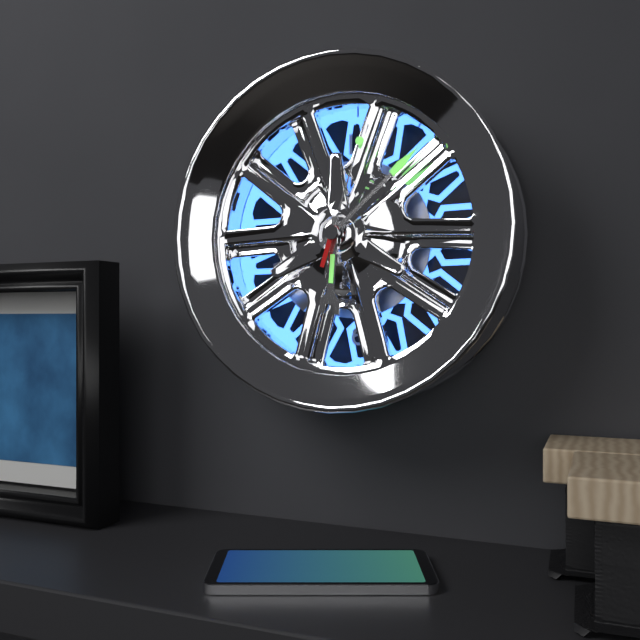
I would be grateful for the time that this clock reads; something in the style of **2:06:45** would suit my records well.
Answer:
**6:08:03**
